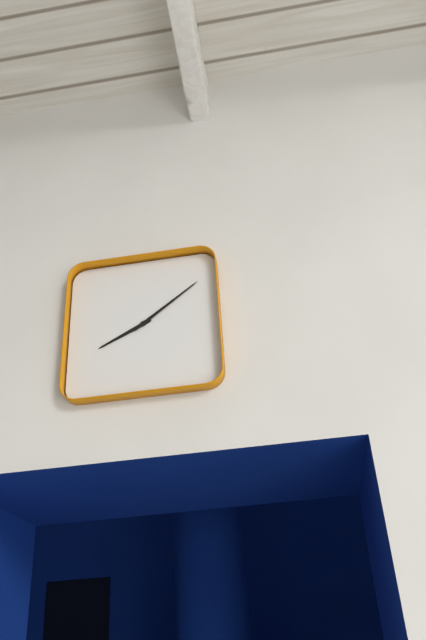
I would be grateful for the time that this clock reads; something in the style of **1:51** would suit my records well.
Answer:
**8:09**
